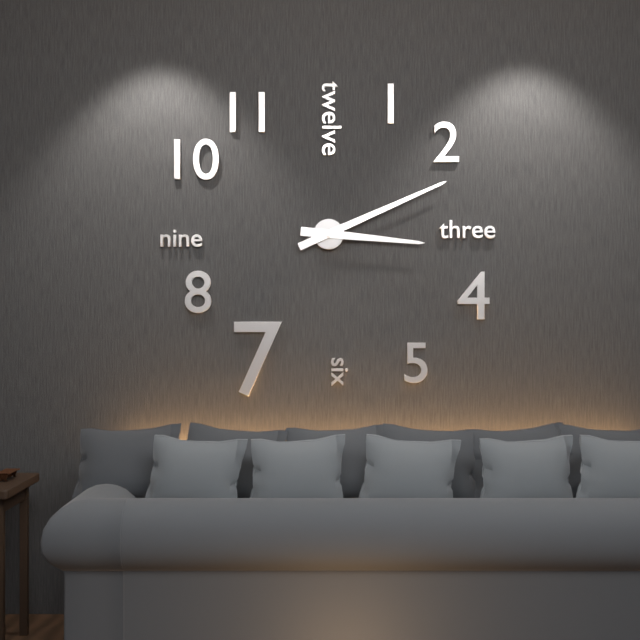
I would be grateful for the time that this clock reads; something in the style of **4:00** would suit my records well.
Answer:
**3:11**
